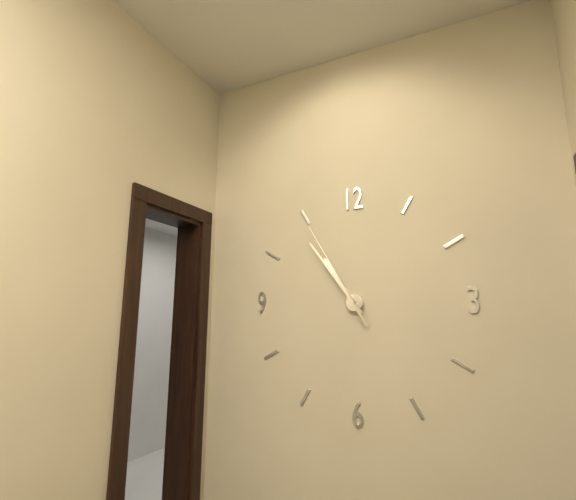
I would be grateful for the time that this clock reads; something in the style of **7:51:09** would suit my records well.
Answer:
**10:54:55**
